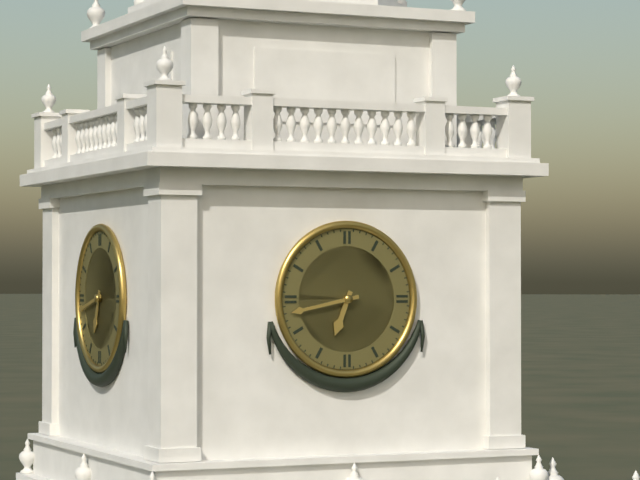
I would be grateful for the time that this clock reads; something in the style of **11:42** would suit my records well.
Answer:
**6:43**
